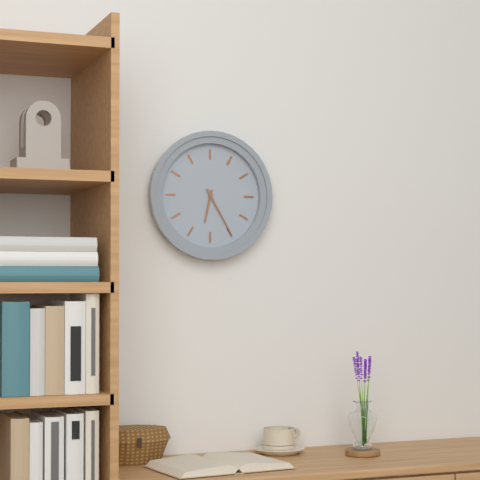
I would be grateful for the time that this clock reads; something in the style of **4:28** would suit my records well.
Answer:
**6:25**
